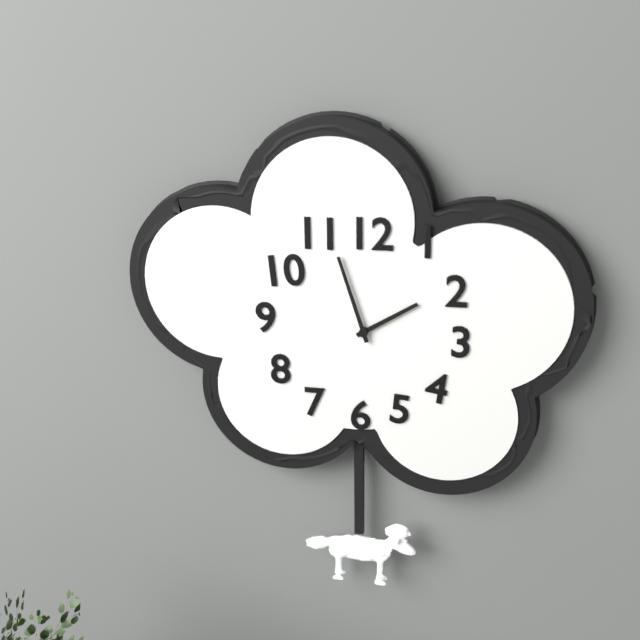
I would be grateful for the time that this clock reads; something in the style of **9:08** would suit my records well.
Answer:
**1:57**
